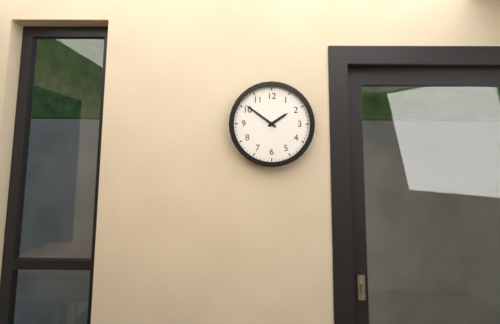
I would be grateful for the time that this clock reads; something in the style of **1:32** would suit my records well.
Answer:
**1:51**
